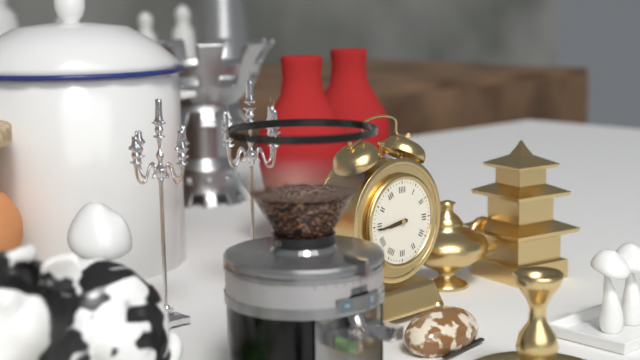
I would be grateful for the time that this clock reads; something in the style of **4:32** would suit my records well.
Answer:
**8:44**
